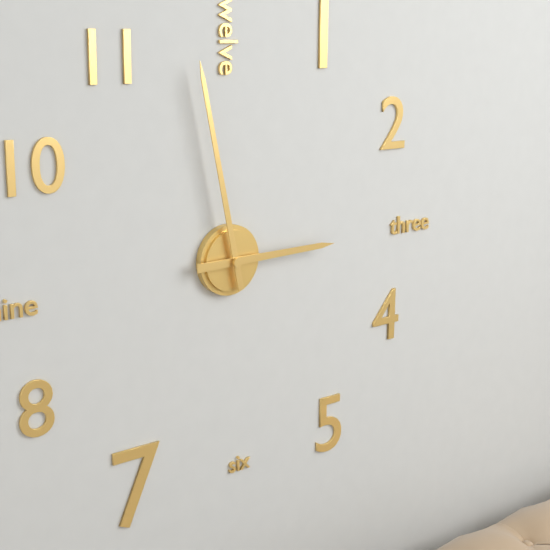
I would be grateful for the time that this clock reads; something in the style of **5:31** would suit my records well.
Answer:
**2:58**
